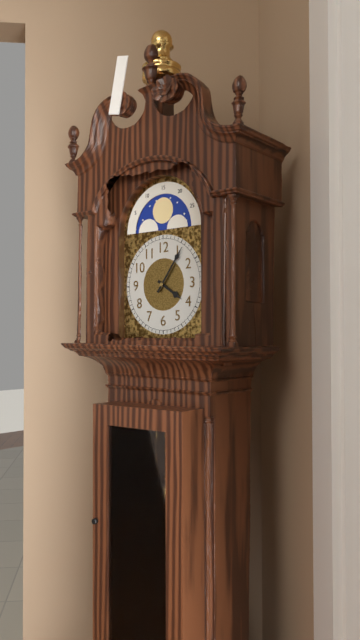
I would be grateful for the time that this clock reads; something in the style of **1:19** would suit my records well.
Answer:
**4:06**
